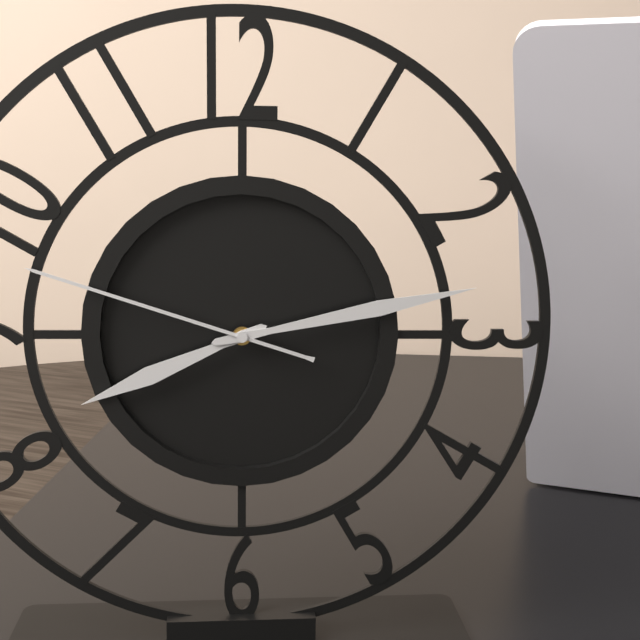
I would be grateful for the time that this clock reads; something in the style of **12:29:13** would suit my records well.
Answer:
**8:13:48**
